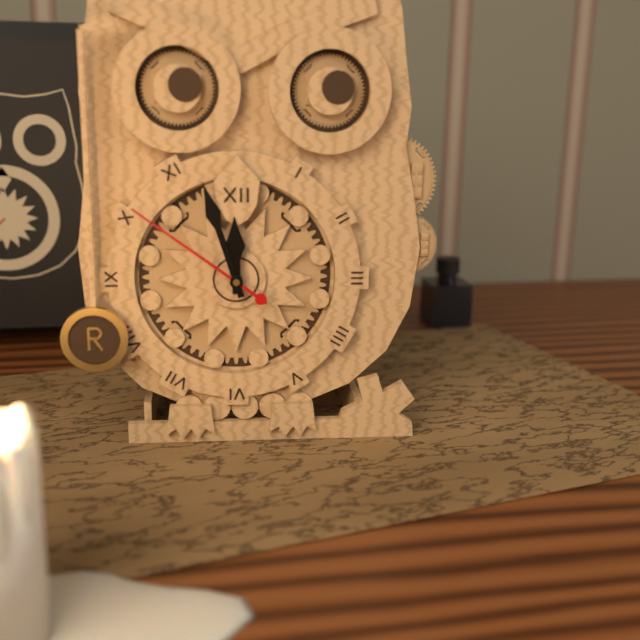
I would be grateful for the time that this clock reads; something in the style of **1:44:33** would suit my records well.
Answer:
**11:57:51**
